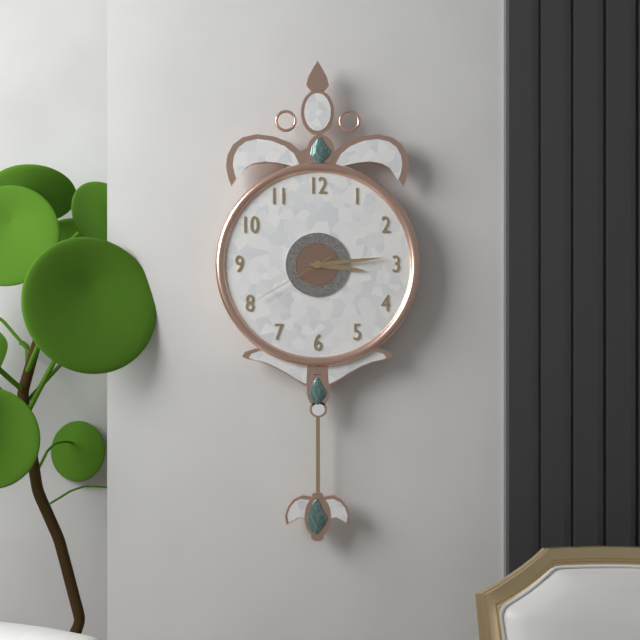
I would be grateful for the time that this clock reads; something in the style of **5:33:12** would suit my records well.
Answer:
**3:14:40**
